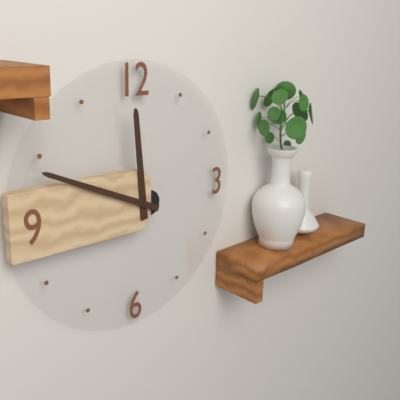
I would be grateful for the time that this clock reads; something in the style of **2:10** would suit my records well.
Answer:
**11:49**
